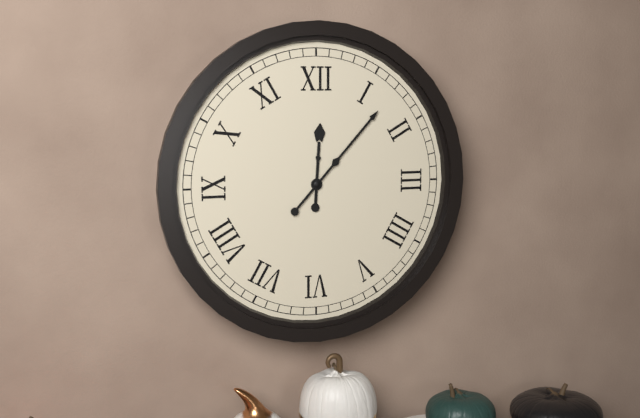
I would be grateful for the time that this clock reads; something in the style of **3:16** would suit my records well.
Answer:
**12:07**
